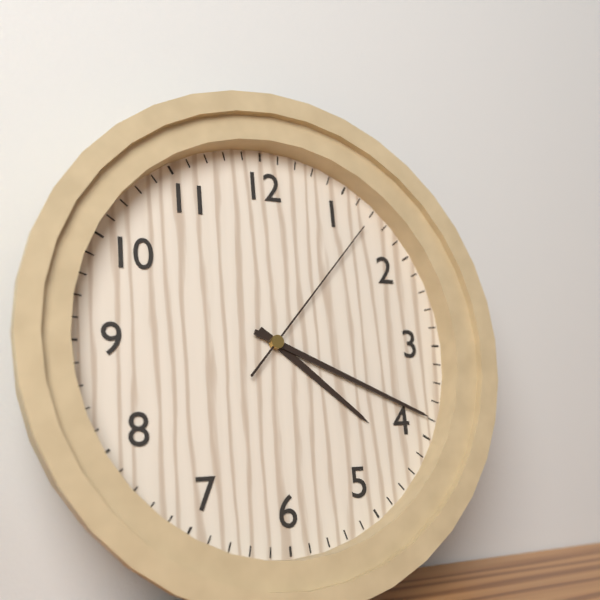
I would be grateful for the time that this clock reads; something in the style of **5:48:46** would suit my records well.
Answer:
**4:19:07**
